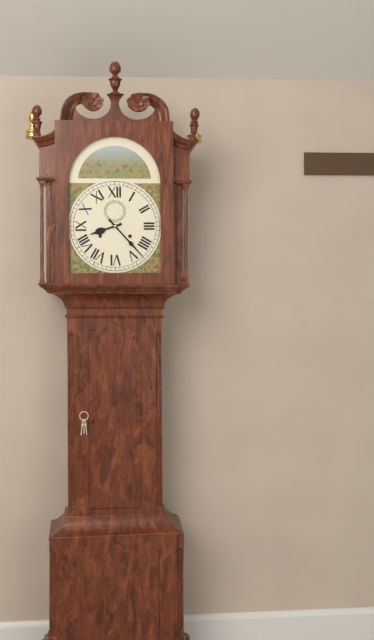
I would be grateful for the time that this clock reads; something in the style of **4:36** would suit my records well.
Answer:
**8:23**
